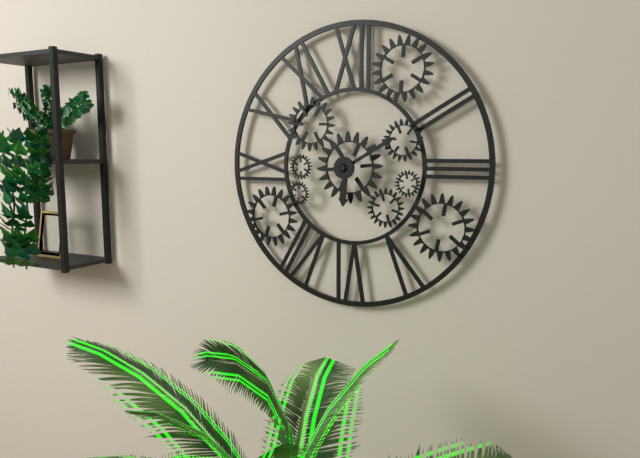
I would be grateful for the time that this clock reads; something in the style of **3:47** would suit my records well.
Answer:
**6:10**
